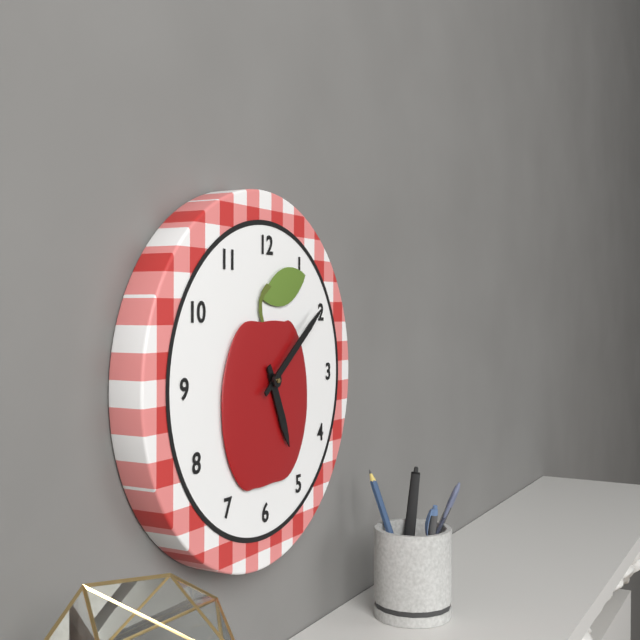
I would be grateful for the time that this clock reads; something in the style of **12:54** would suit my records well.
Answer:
**5:09**
